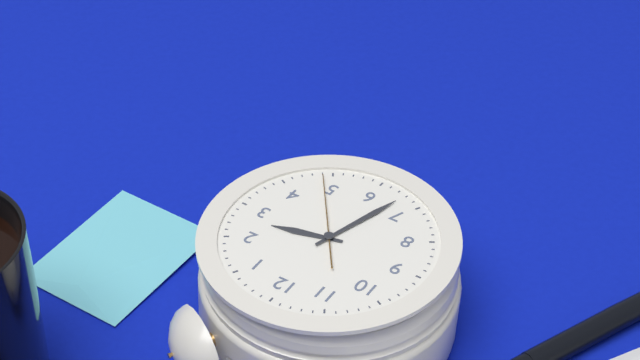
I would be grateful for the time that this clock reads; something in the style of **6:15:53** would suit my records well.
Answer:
**2:33:24**
